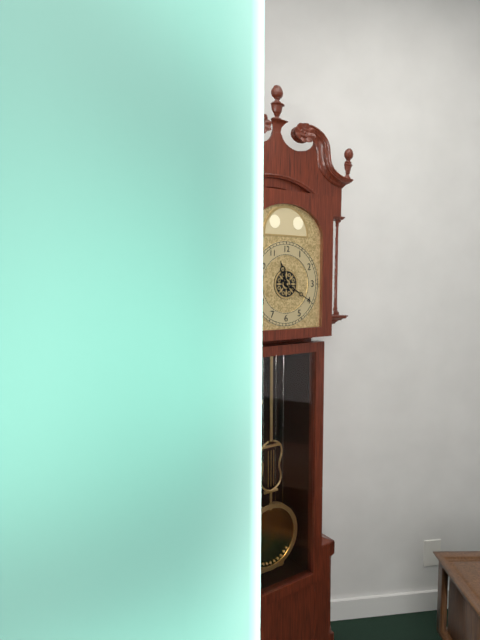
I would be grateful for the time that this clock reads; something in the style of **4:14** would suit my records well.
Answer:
**11:20**
